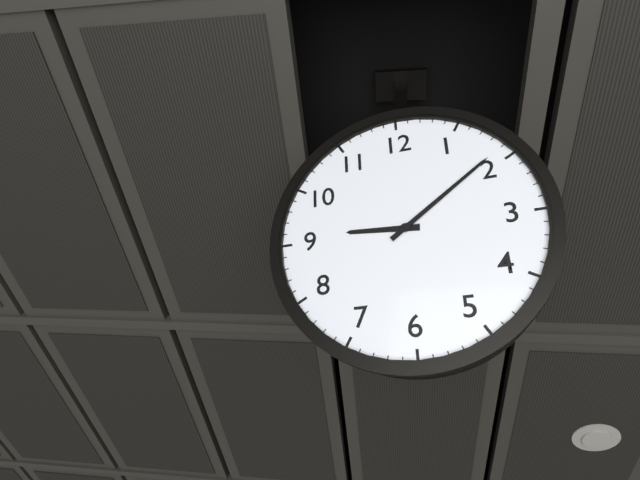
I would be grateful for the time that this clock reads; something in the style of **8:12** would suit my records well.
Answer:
**9:09**
